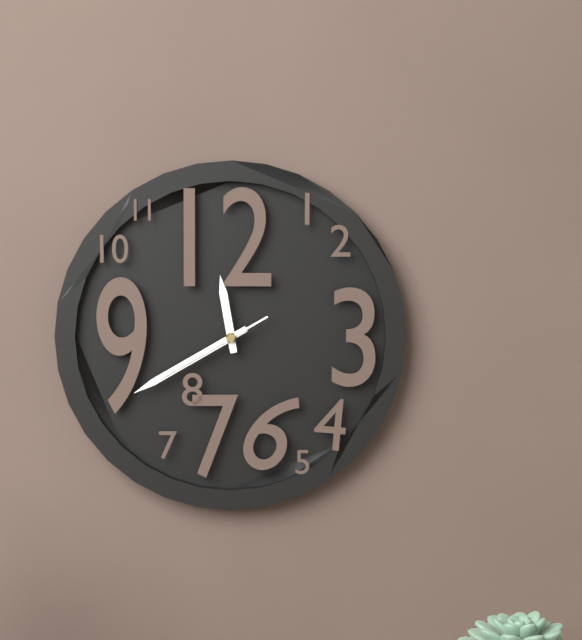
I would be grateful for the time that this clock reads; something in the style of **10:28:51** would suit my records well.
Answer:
**11:40:40**
